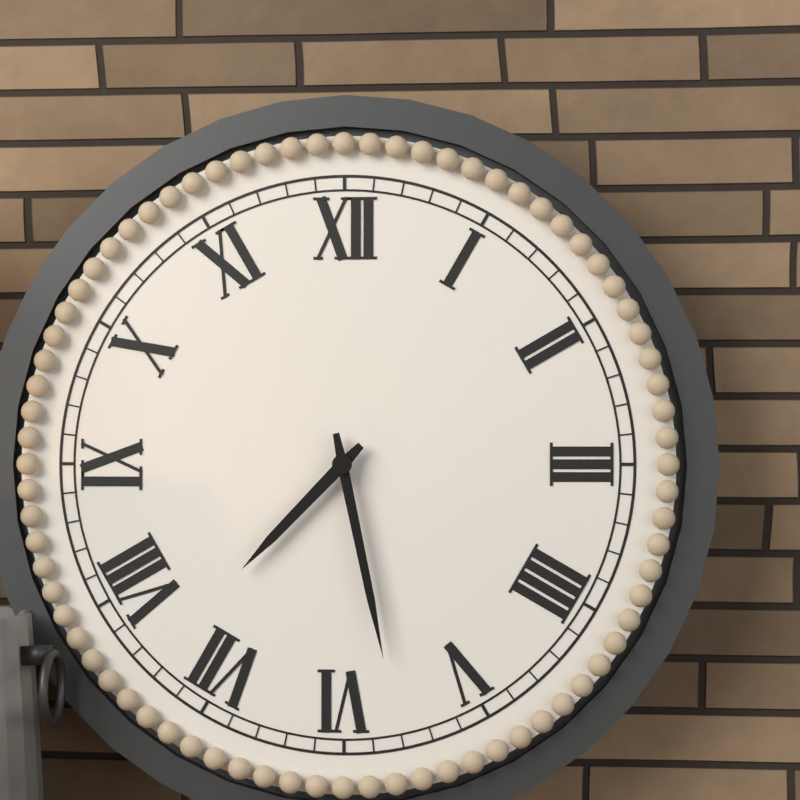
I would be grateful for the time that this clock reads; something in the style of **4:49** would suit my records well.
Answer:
**7:28**
